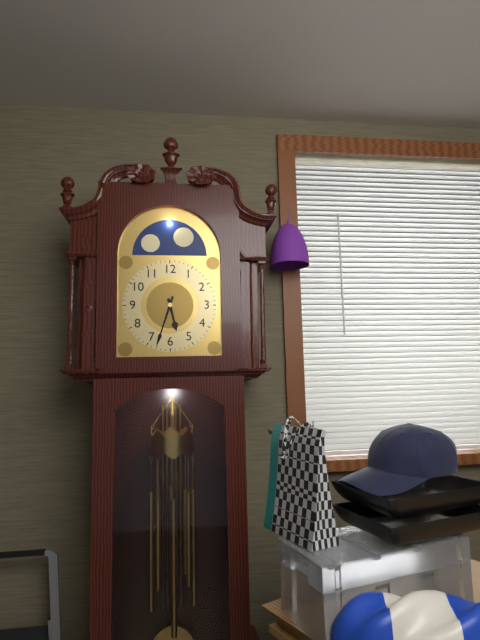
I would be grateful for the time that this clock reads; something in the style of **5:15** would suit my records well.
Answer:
**5:33**
